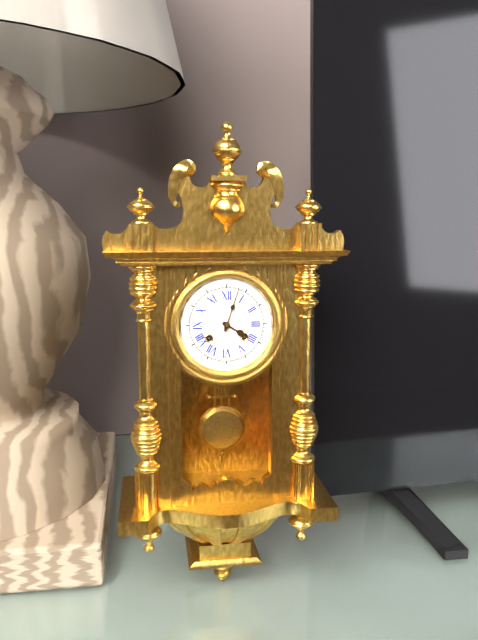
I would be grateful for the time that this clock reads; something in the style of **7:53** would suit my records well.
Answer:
**4:03**
